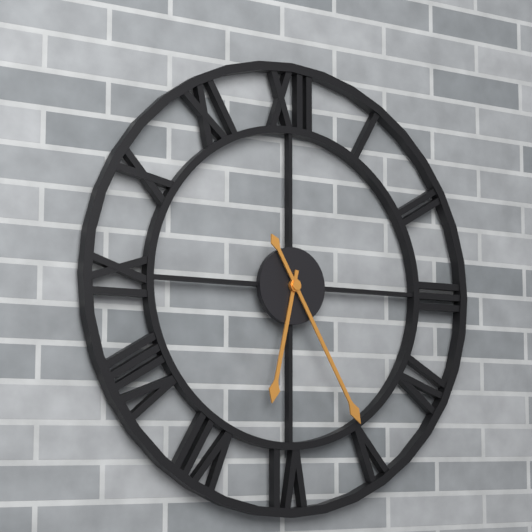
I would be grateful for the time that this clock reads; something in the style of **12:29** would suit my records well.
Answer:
**6:25**
